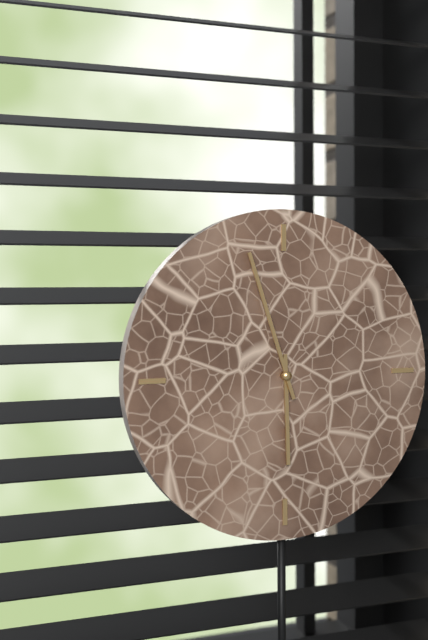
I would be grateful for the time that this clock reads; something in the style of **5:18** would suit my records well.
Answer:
**5:57**
